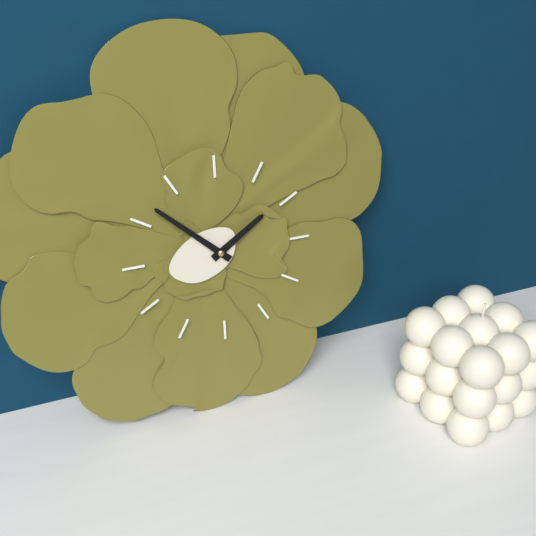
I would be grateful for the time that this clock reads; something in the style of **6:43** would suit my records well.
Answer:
**1:52**
